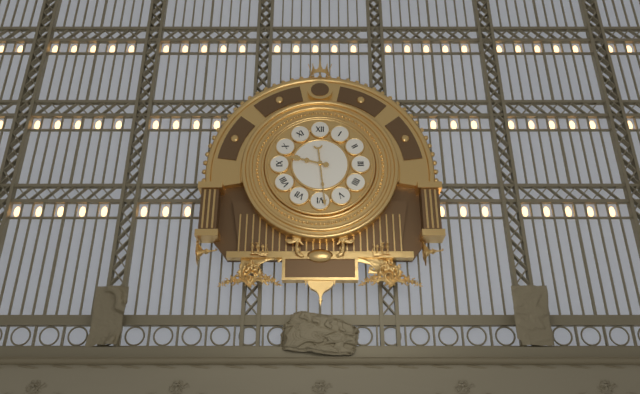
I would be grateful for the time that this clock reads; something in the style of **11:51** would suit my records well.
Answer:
**9:29**
